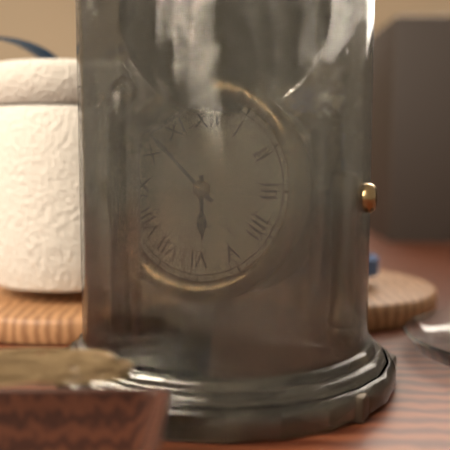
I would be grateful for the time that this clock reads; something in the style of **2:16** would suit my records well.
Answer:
**5:52**
